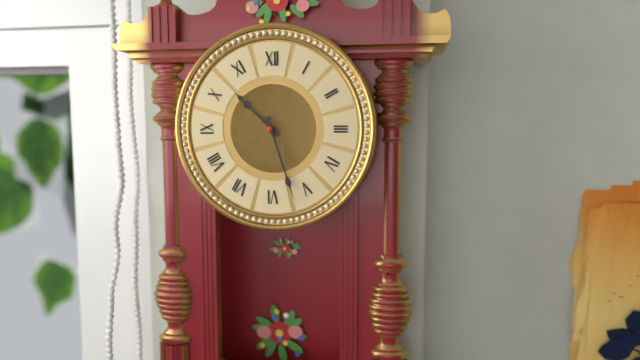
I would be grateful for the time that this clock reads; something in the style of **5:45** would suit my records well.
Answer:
**10:27**
